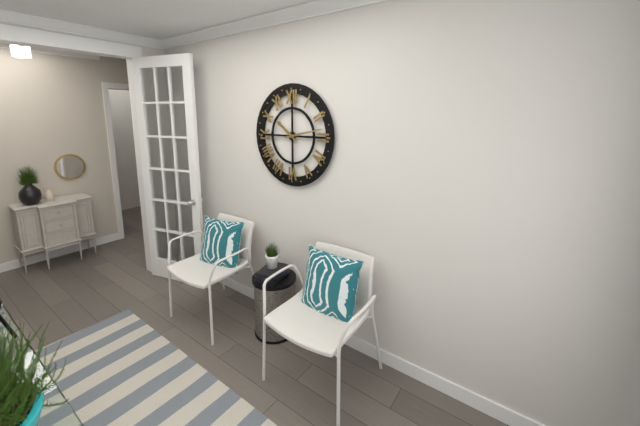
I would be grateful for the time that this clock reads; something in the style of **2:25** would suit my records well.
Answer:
**10:13**
